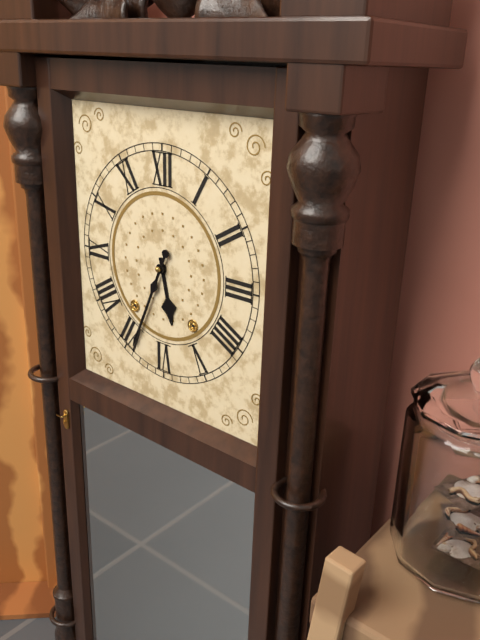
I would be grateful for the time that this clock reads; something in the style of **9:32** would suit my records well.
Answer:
**5:34**
